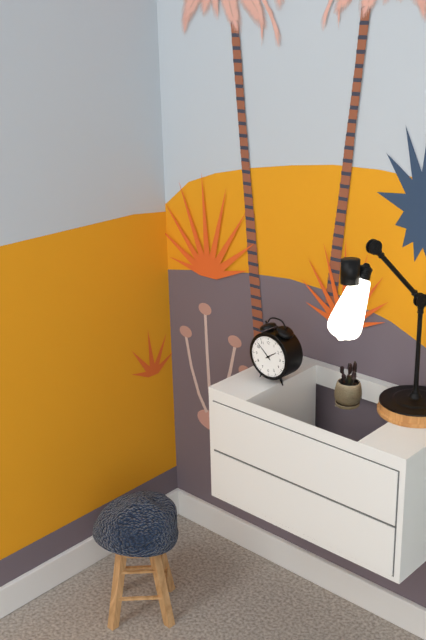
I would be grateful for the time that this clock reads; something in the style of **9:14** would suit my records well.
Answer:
**1:52**
